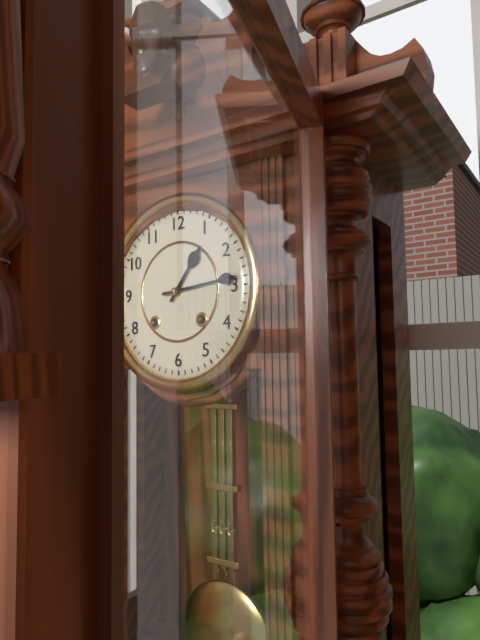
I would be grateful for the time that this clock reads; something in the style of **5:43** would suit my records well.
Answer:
**1:14**
